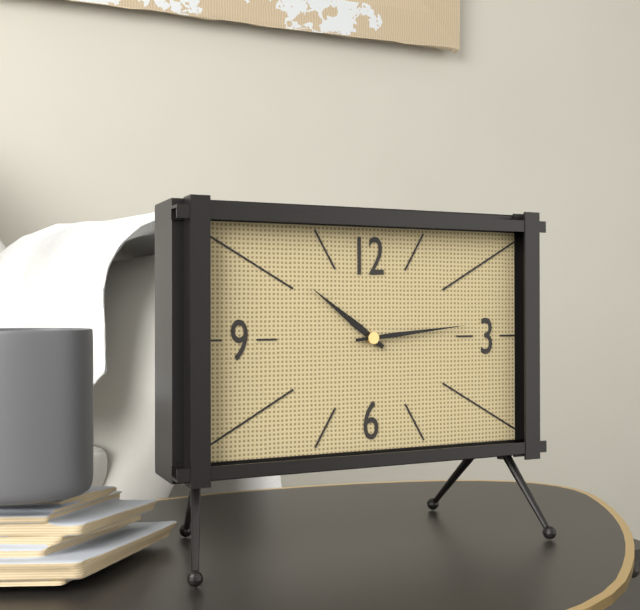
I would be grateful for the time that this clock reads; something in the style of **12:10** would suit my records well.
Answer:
**10:14**
